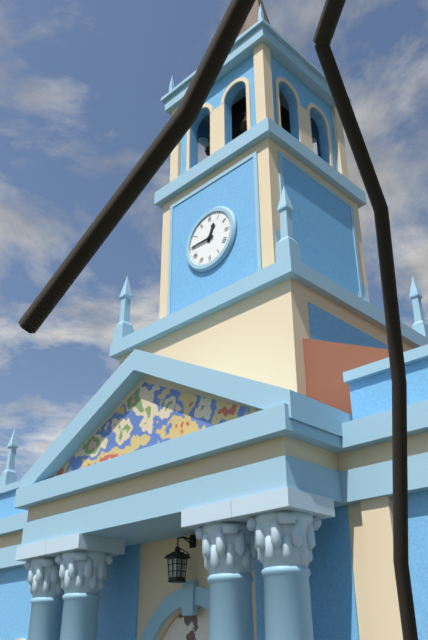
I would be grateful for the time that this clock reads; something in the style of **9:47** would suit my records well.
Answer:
**12:45**
